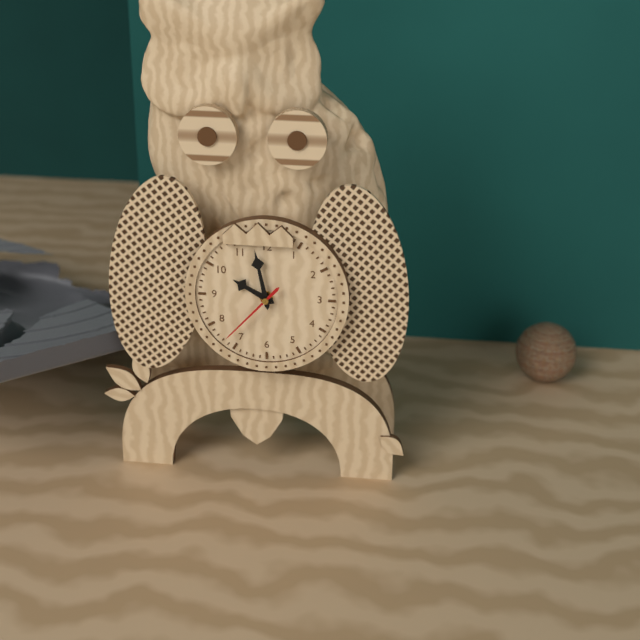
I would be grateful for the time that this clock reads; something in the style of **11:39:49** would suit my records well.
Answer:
**9:58:37**
